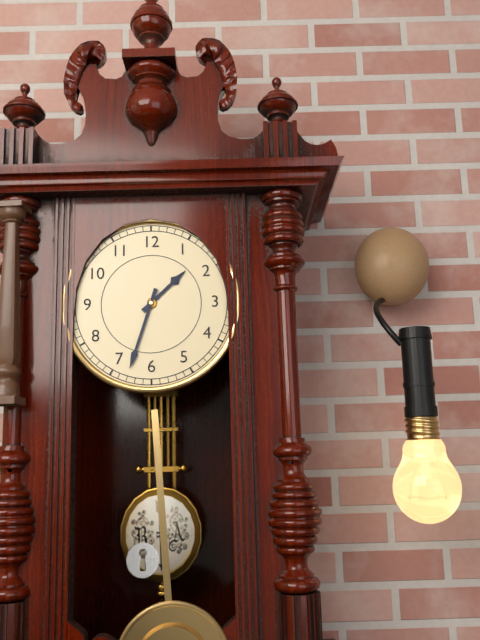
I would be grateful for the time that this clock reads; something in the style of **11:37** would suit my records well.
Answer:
**1:33**
